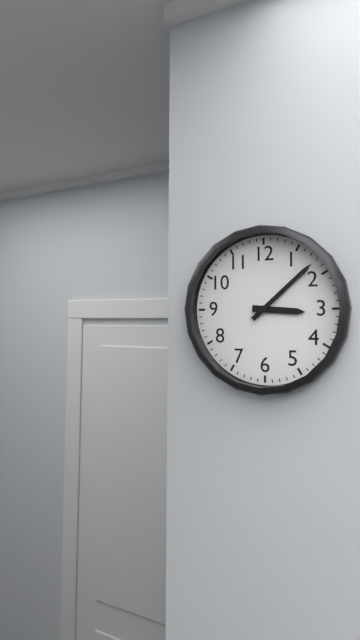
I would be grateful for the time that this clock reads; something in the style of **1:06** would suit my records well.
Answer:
**3:08**
